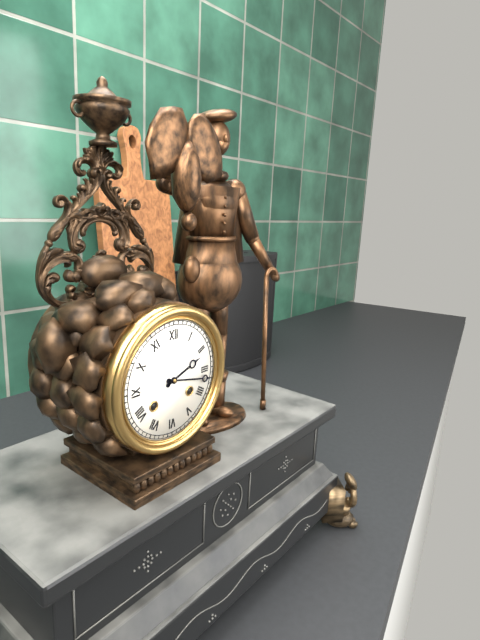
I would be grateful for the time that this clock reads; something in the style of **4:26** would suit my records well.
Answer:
**2:17**
